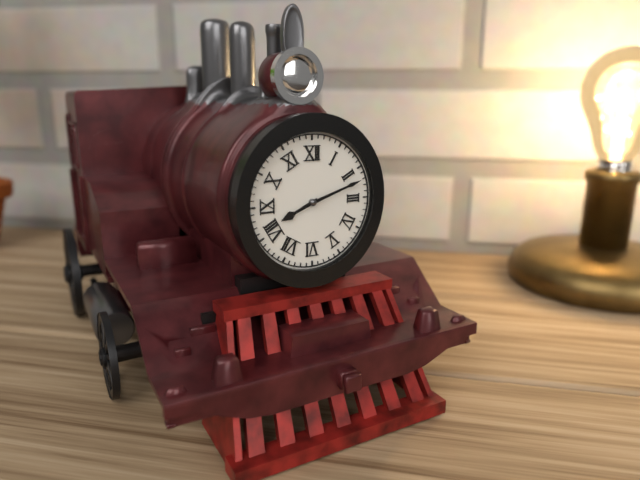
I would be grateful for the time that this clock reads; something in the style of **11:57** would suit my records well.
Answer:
**8:12**
